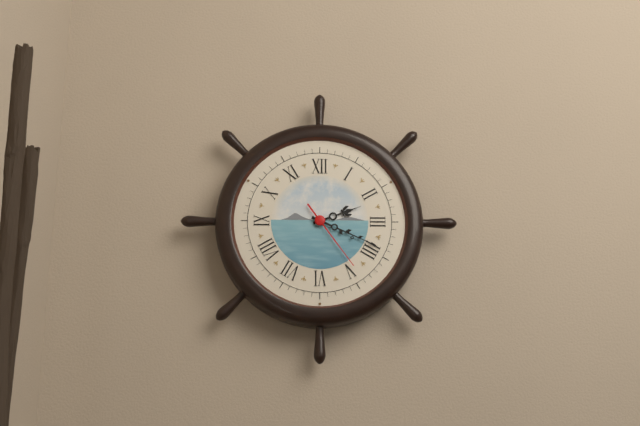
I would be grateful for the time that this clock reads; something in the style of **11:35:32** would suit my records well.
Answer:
**2:19:24**
